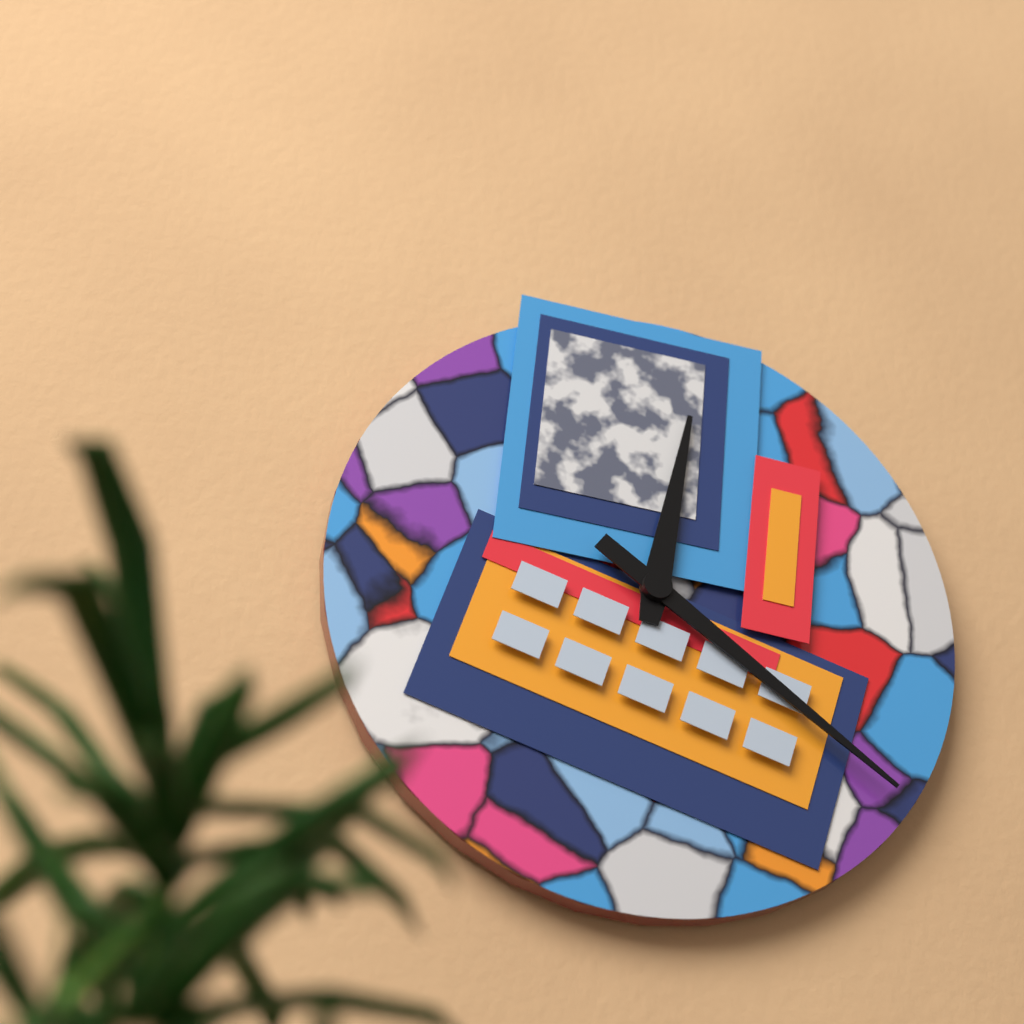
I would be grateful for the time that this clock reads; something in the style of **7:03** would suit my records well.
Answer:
**12:21**
